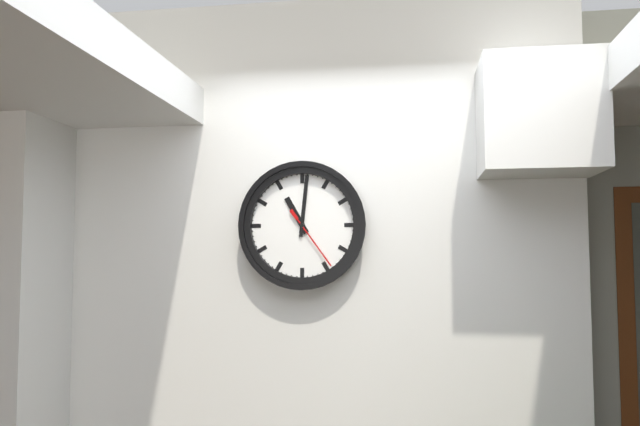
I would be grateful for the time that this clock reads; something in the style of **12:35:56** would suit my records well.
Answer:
**11:01:24**
